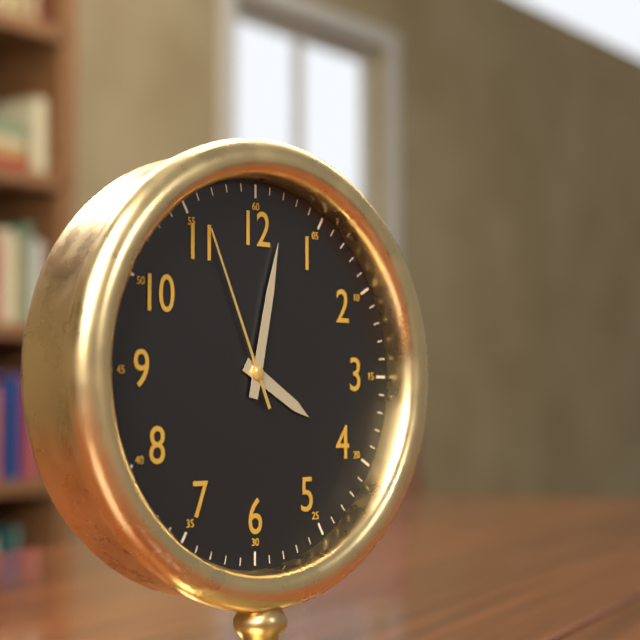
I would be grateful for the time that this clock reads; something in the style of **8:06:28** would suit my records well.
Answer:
**4:02:56**
